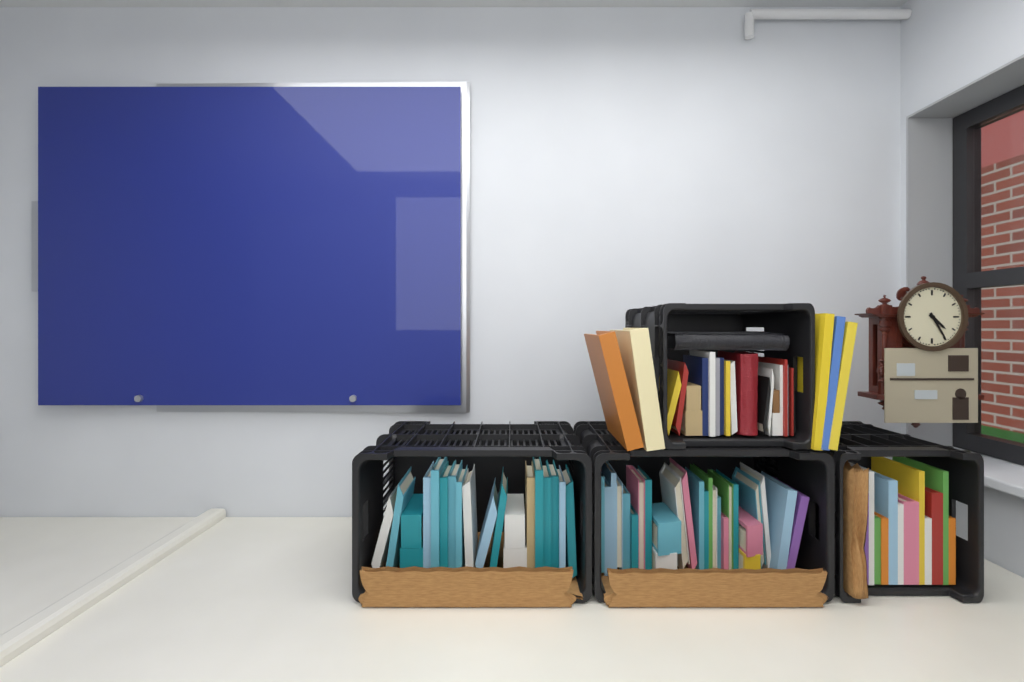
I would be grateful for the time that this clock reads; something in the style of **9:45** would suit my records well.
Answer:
**4:25**
